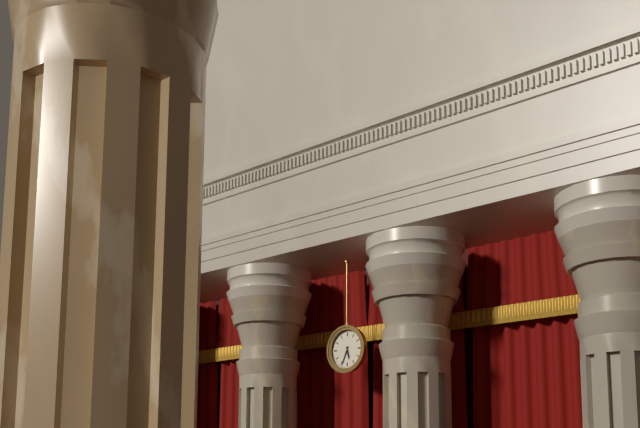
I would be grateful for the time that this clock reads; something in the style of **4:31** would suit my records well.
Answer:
**5:34**
